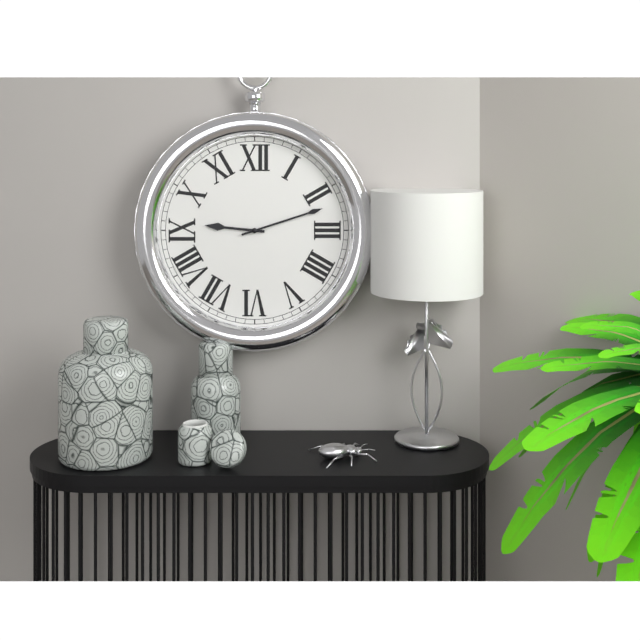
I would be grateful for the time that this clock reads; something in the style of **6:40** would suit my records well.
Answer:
**9:12**
